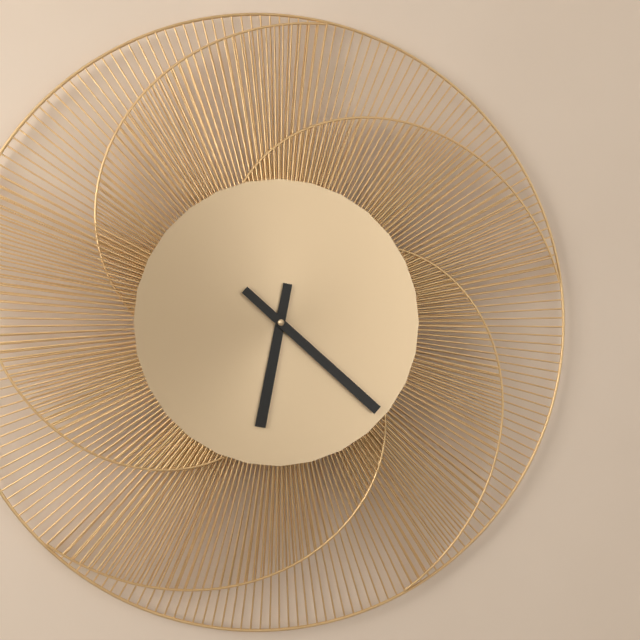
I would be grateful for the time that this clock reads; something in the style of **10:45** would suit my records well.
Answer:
**6:22**
